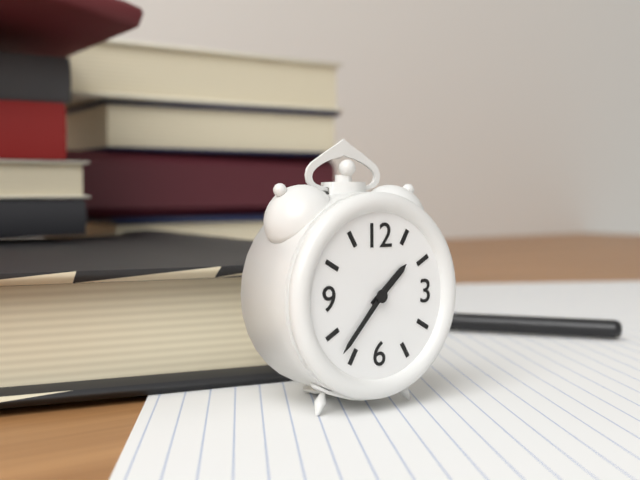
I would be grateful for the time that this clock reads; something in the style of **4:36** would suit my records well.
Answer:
**1:37**
